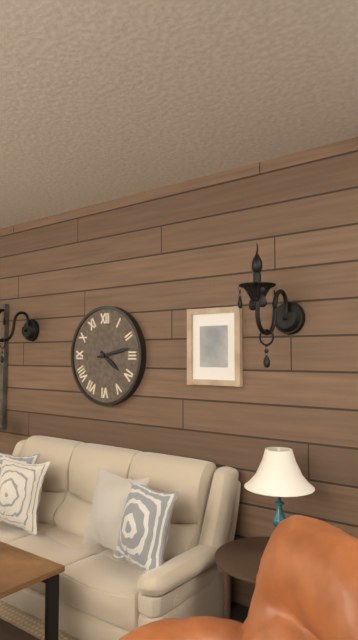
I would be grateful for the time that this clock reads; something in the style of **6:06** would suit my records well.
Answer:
**4:13**
